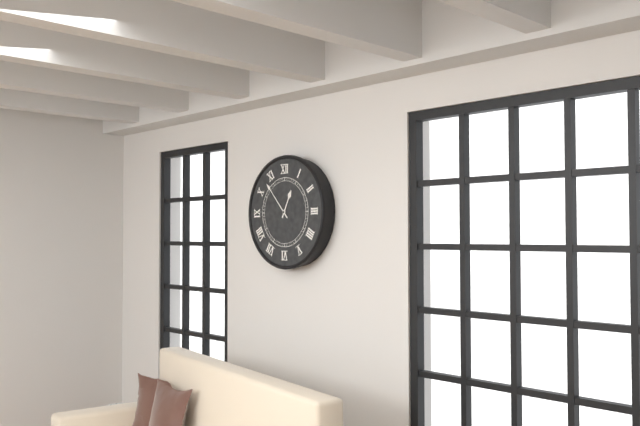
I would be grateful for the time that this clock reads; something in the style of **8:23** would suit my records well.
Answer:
**12:53**
